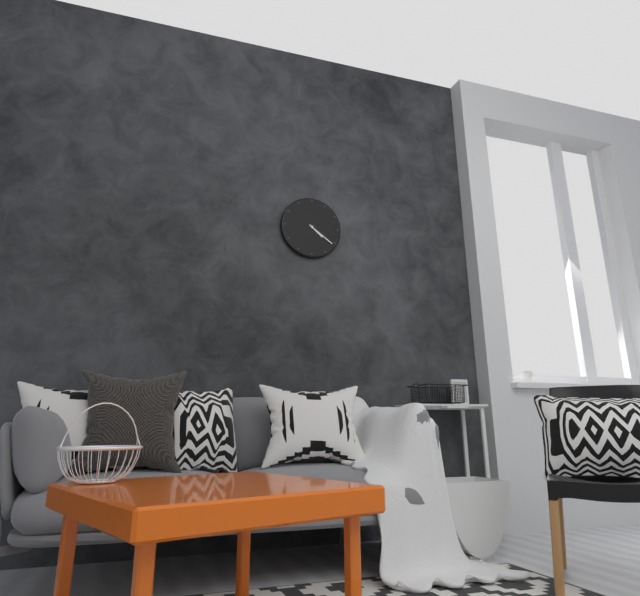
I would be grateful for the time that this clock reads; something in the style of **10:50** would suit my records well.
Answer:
**4:21**
